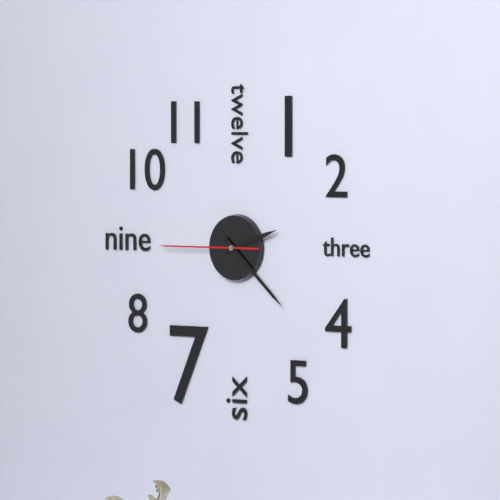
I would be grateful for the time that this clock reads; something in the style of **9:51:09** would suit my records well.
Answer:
**2:22:45**
